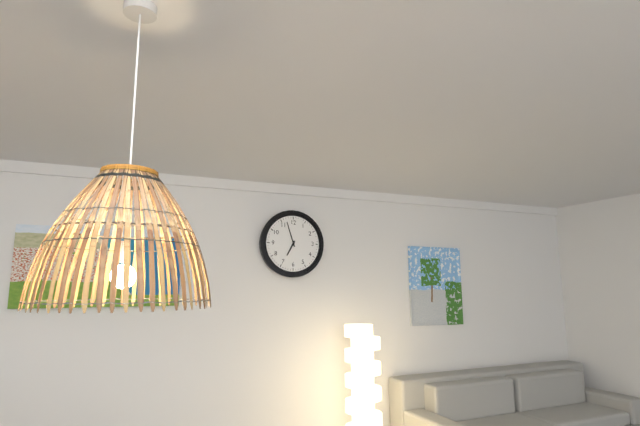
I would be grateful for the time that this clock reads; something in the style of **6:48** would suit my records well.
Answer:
**6:57**
